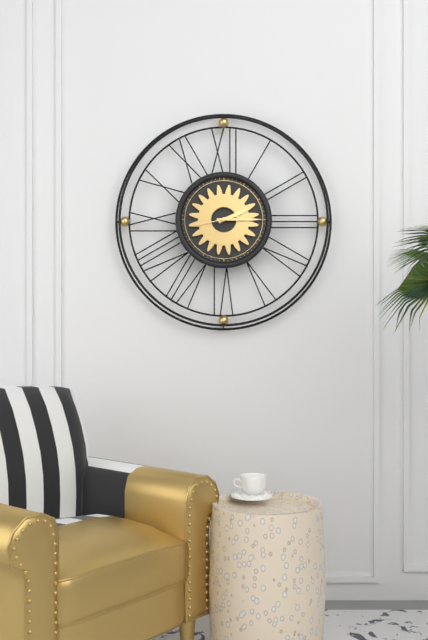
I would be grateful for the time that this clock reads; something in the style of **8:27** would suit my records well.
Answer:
**2:15**
